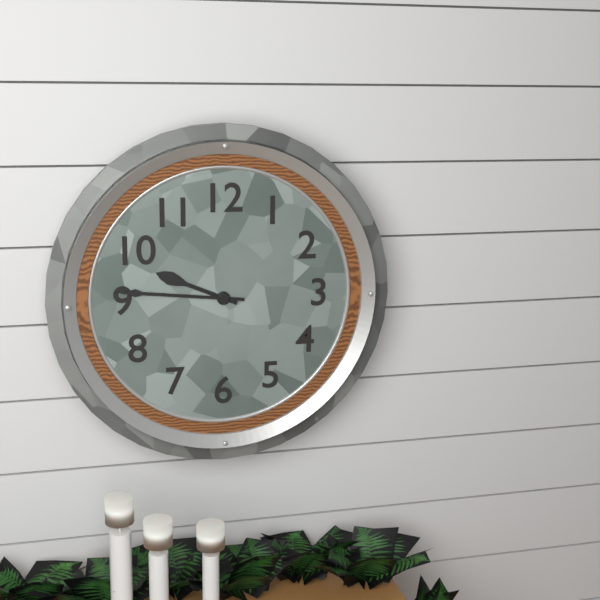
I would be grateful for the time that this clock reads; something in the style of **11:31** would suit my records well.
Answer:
**9:46**
